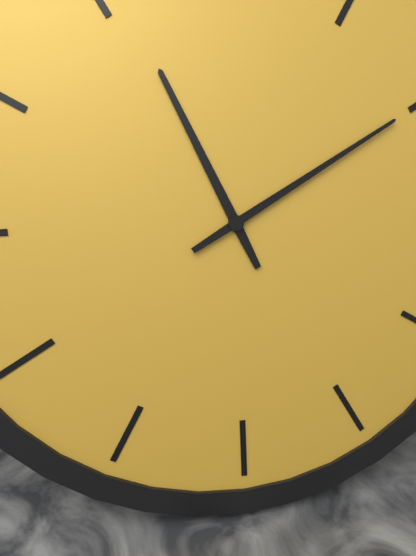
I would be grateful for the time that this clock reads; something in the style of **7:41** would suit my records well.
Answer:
**11:10**
